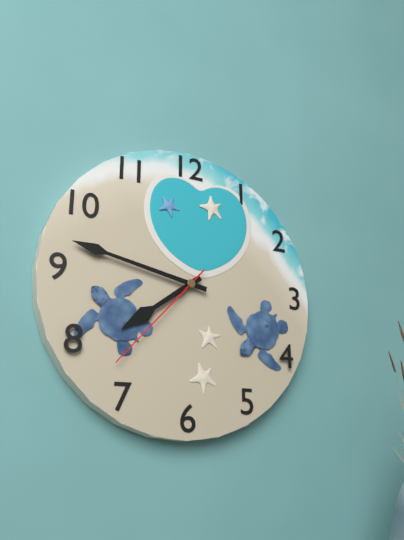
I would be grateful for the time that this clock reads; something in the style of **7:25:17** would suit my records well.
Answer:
**7:47:37**
